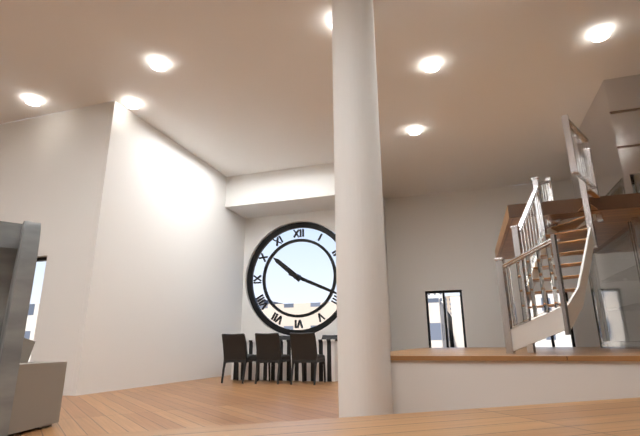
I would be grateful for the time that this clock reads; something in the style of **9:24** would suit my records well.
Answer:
**10:19**
